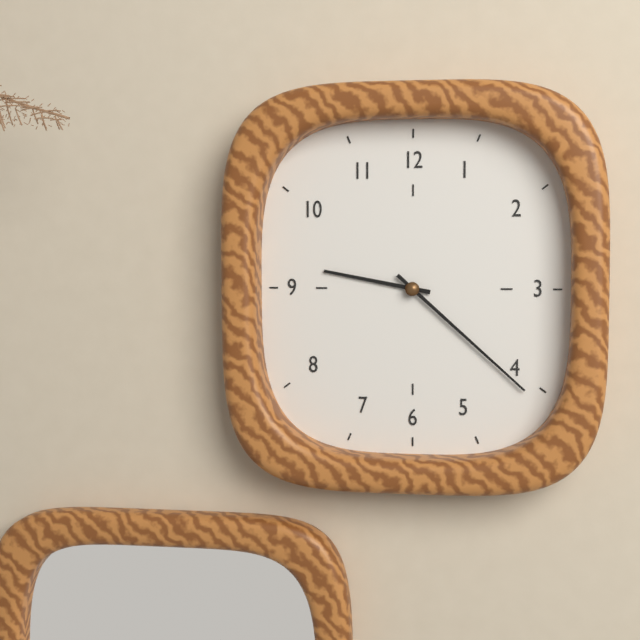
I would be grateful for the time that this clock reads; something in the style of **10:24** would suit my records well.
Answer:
**9:22**
